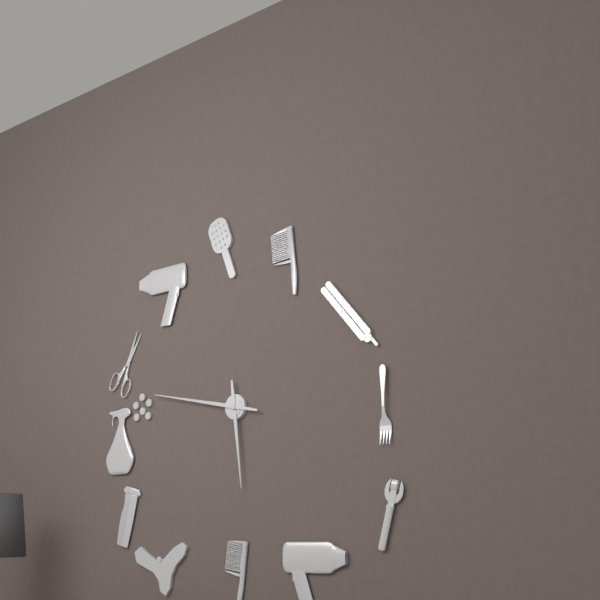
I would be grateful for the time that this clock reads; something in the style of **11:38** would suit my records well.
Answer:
**5:47**
